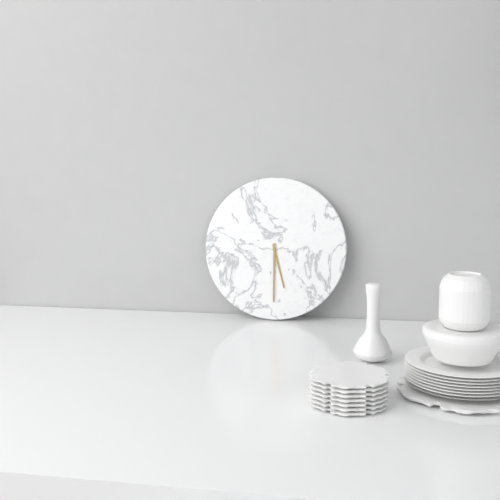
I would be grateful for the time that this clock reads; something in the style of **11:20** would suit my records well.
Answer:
**5:30**
